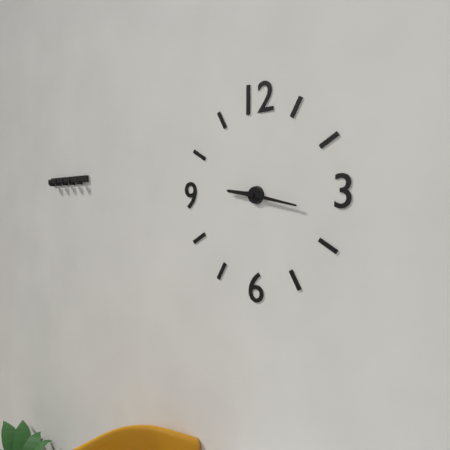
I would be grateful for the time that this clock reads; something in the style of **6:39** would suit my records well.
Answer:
**9:17**
